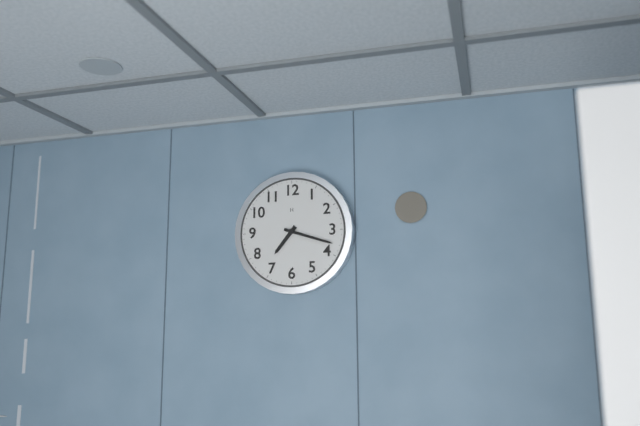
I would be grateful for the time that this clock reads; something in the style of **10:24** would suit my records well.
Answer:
**7:18**
